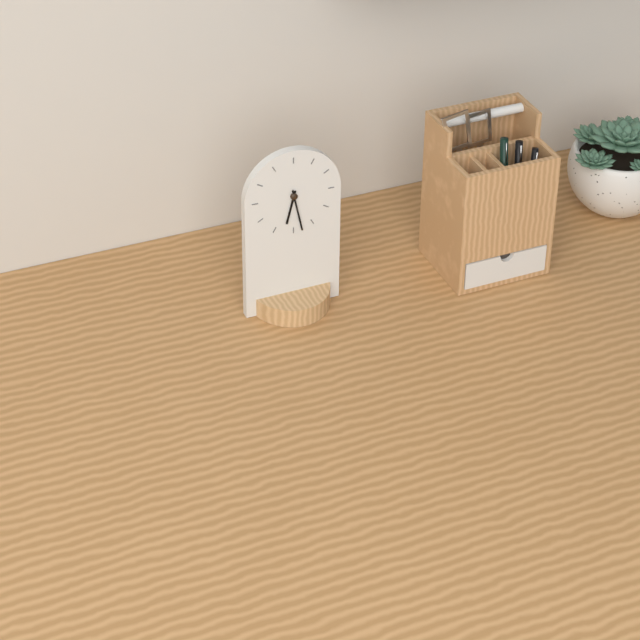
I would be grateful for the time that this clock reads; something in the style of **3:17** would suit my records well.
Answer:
**6:28**
